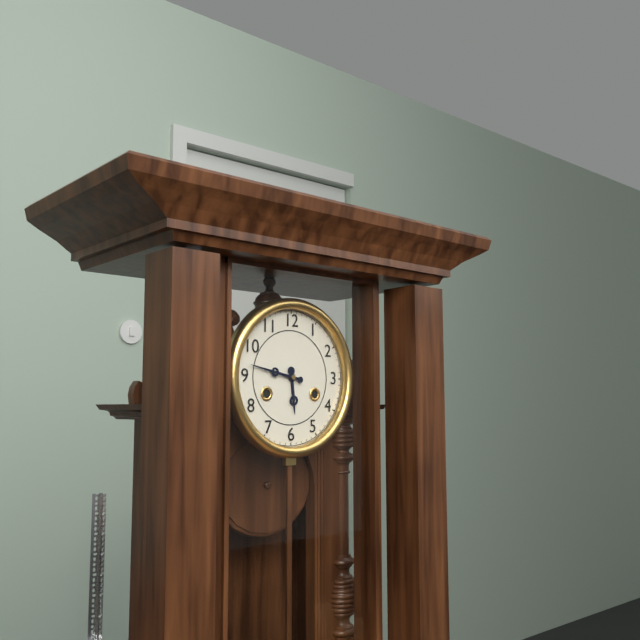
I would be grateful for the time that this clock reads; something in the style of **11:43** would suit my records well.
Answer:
**5:47**
